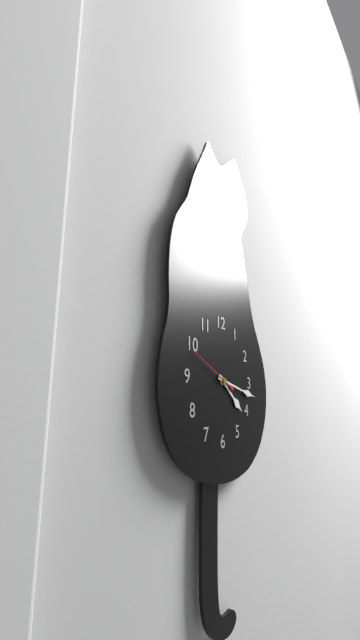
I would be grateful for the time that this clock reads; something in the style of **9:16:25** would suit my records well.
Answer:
**4:17:49**
